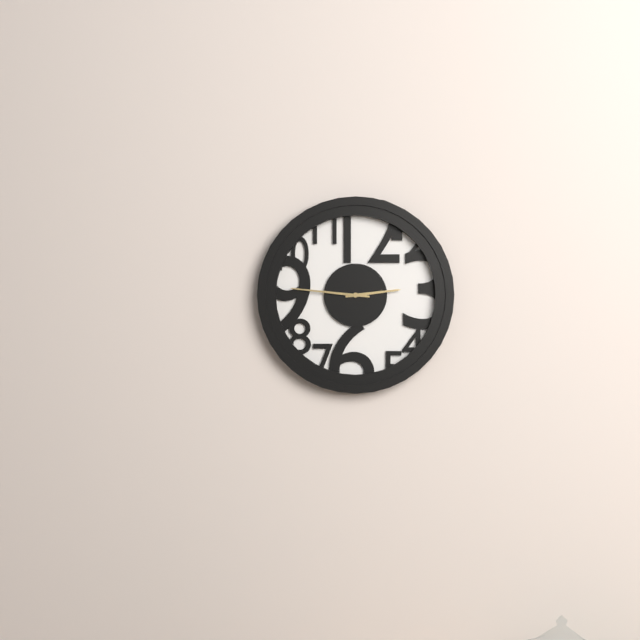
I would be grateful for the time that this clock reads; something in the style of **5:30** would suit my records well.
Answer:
**2:46**
